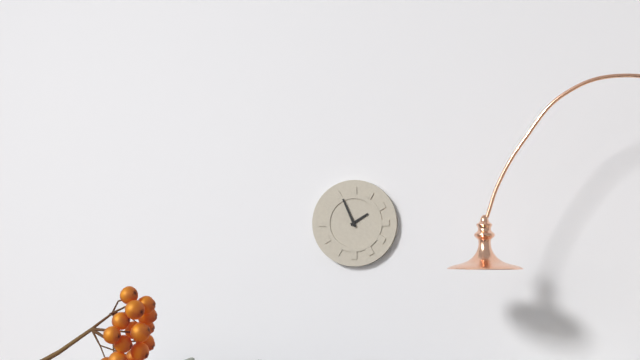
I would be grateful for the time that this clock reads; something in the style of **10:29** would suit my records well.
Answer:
**1:56**
